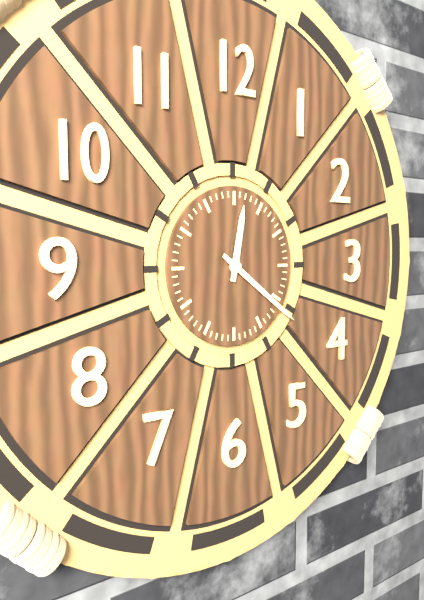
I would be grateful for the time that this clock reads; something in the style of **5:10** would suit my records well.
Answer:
**12:21**
